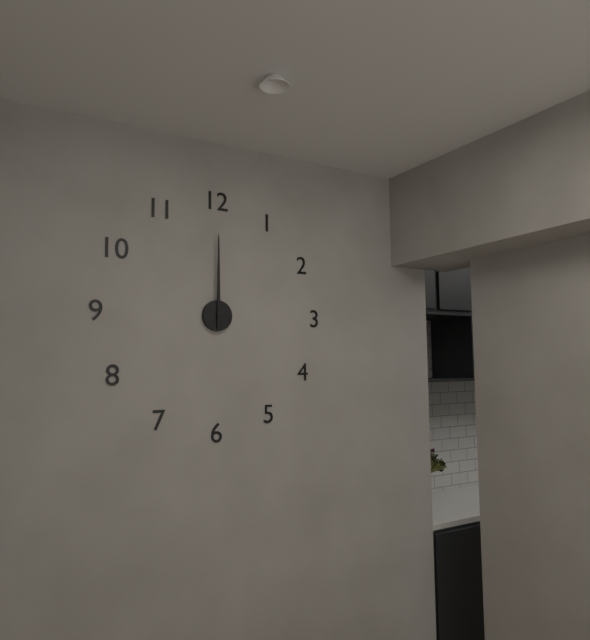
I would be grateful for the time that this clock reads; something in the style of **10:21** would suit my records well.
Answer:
**12:00**
